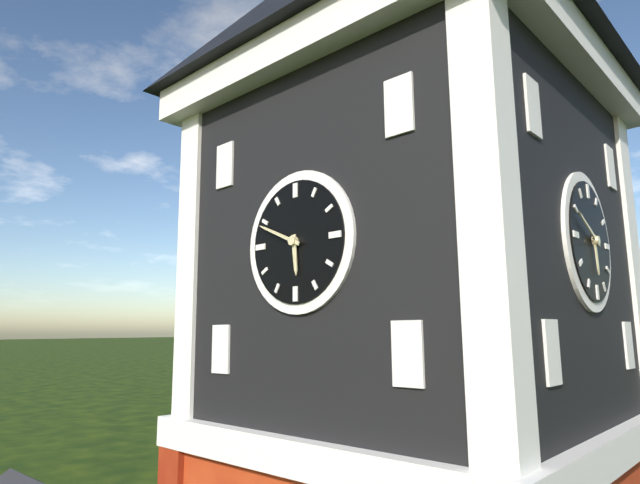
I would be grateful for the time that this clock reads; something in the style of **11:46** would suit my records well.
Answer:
**5:49**
